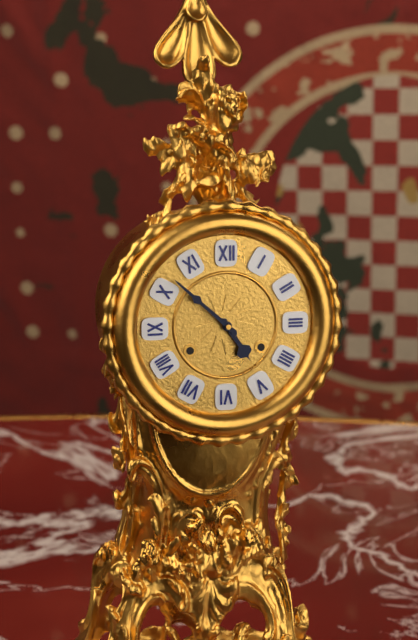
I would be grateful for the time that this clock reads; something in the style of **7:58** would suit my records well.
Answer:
**4:52**
